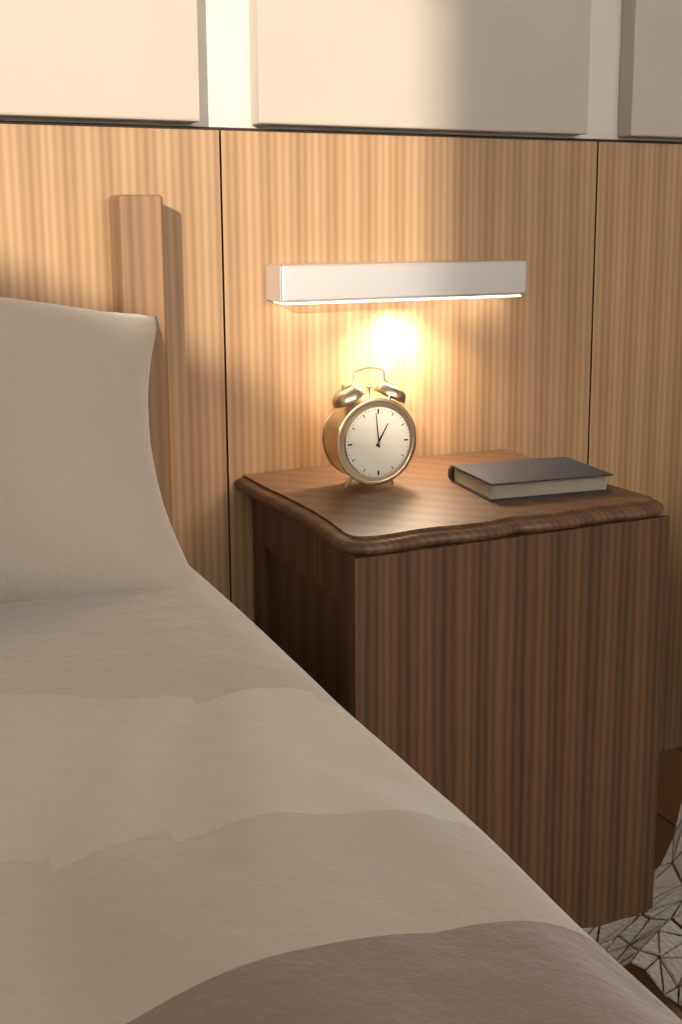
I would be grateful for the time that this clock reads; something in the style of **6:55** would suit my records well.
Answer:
**12:59**
